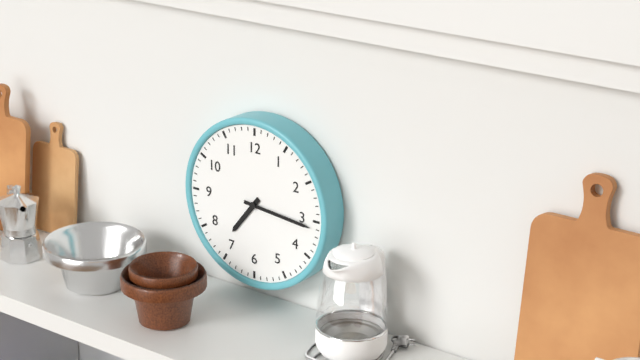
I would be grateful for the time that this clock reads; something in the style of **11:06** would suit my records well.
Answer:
**7:16**
